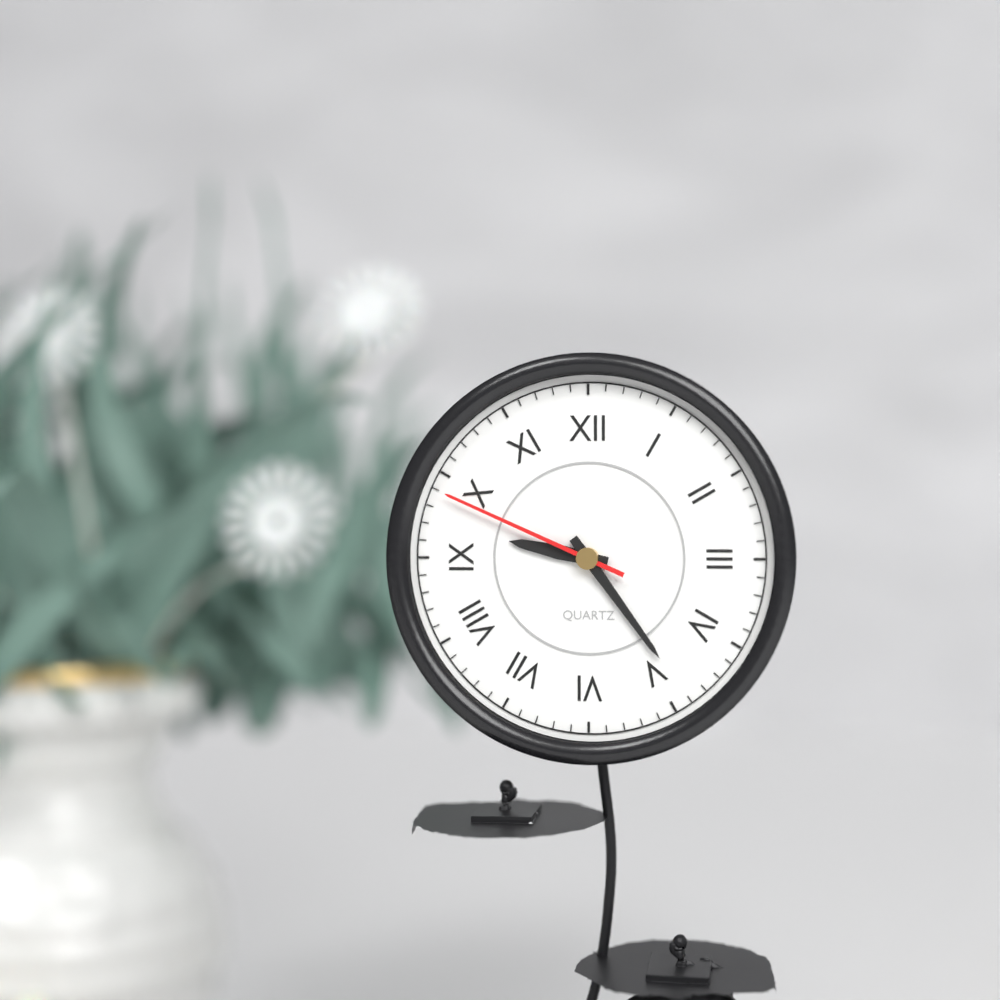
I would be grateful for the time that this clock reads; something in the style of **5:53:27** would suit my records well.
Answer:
**9:24:49**
